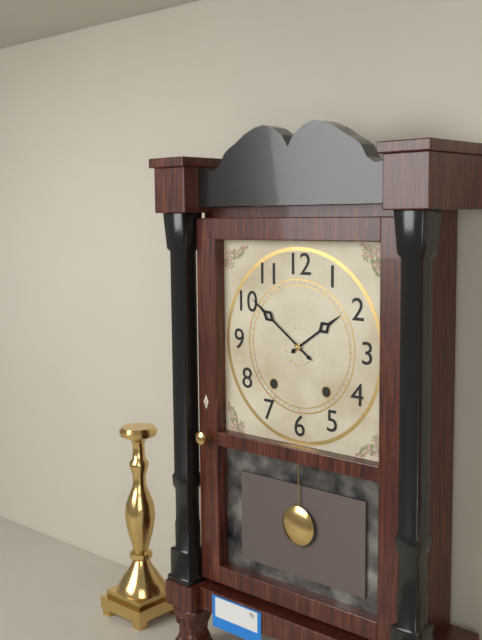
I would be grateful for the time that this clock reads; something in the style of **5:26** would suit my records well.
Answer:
**1:51**
